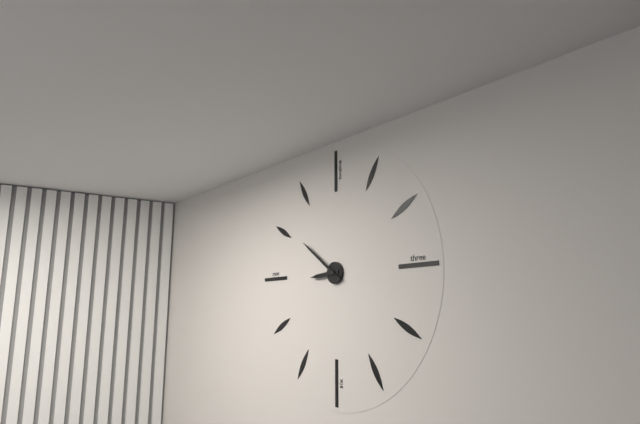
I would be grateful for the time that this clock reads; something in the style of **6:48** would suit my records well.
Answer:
**8:51**
